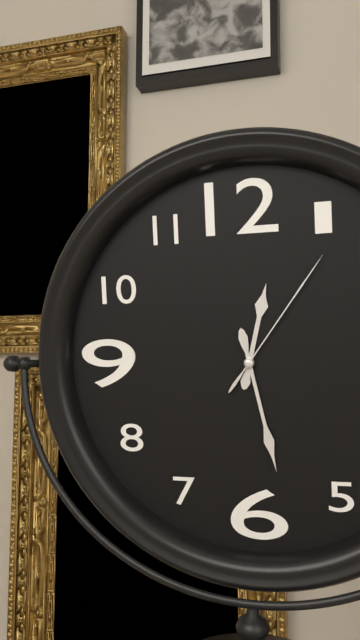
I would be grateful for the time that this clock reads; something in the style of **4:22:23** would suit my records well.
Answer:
**12:28:06**
